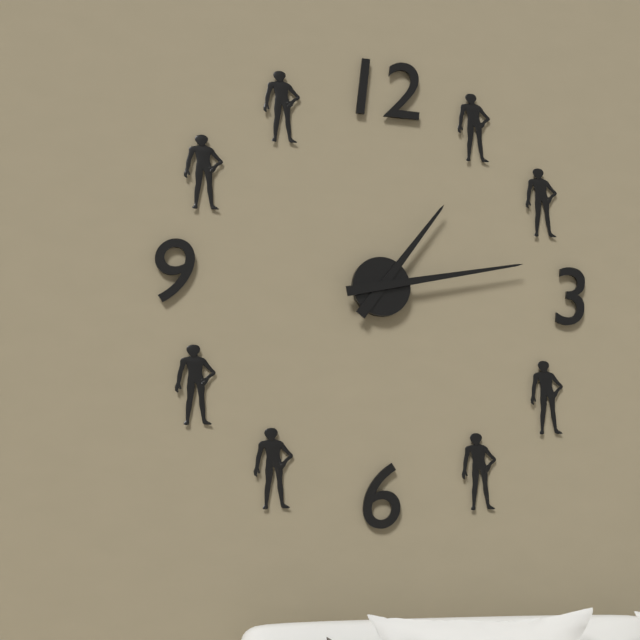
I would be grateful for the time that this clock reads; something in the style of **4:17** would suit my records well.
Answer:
**1:13**
